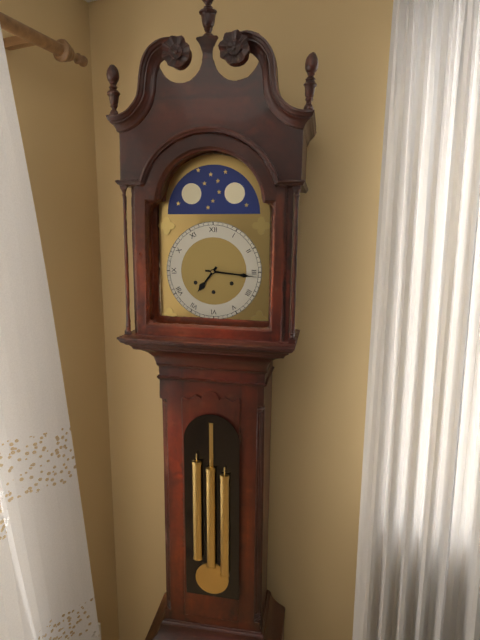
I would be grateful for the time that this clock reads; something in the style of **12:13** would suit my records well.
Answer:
**7:16**
